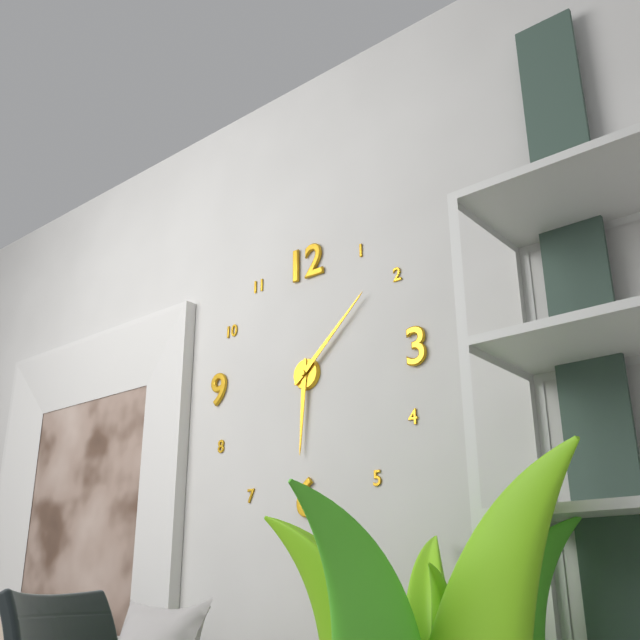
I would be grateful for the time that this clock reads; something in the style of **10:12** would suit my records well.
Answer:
**6:08**
